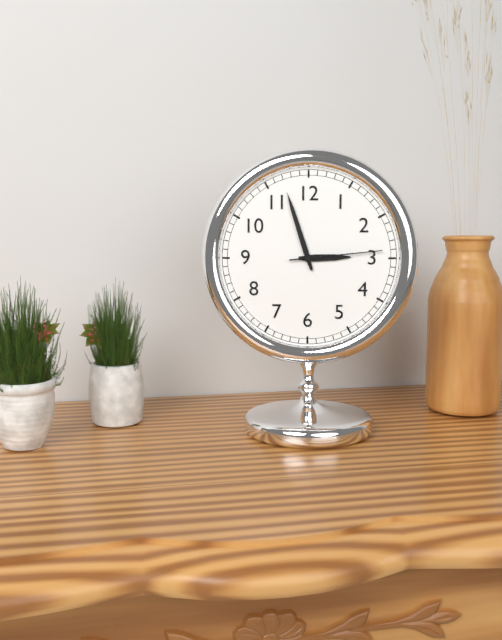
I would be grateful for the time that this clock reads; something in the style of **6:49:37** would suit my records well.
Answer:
**2:57:14**
